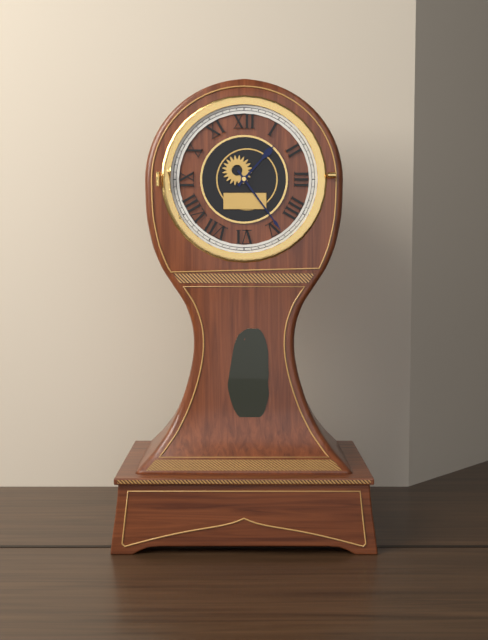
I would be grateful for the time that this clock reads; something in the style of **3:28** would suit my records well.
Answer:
**1:24**
